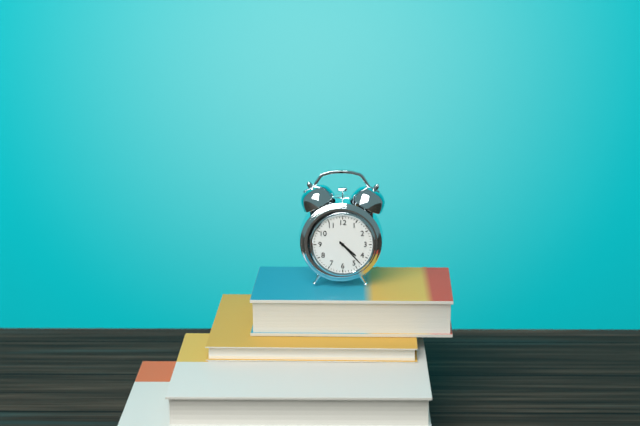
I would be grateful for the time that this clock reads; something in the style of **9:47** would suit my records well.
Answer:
**4:23**
